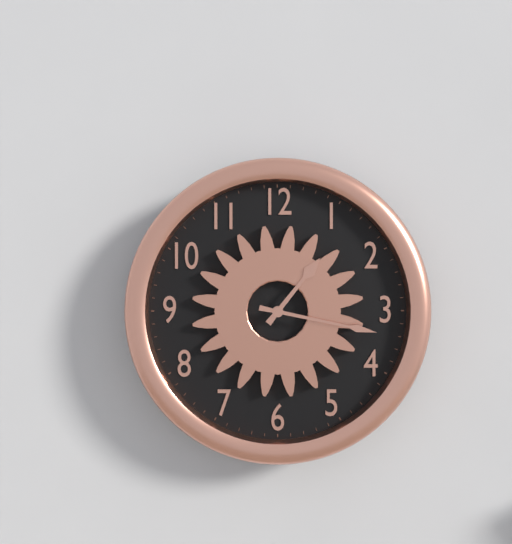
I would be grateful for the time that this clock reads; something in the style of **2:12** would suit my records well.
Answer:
**1:17**
